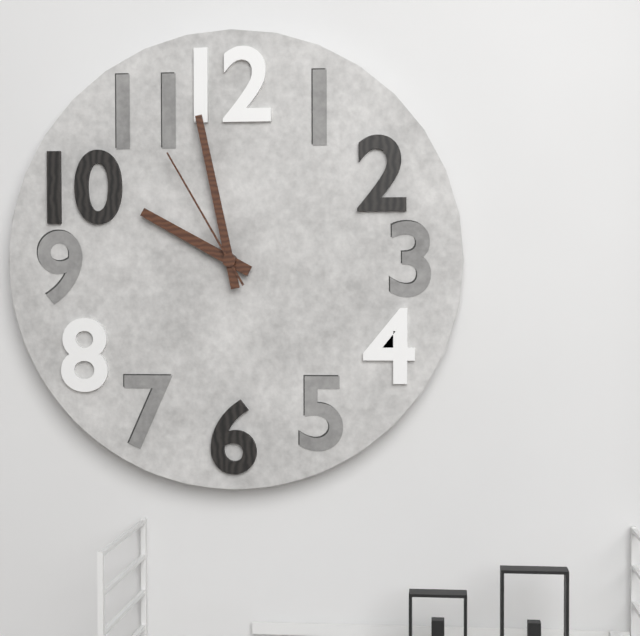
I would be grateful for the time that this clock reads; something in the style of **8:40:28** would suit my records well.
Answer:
**9:58:55**
